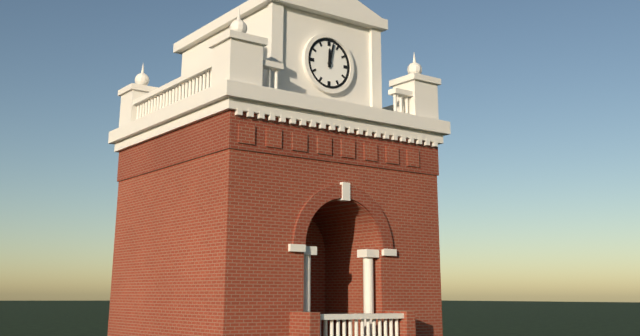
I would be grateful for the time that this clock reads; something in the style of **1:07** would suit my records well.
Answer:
**12:02**
